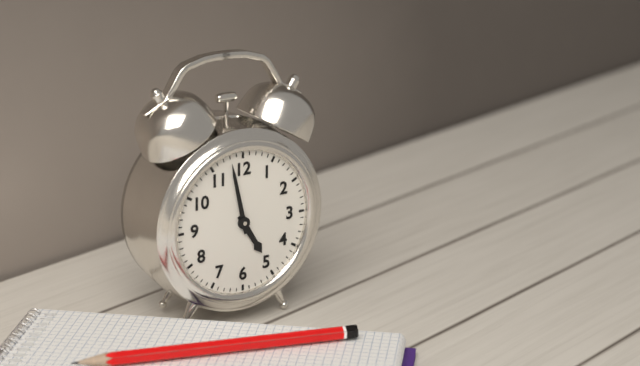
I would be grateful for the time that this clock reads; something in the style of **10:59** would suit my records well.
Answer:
**4:58**
